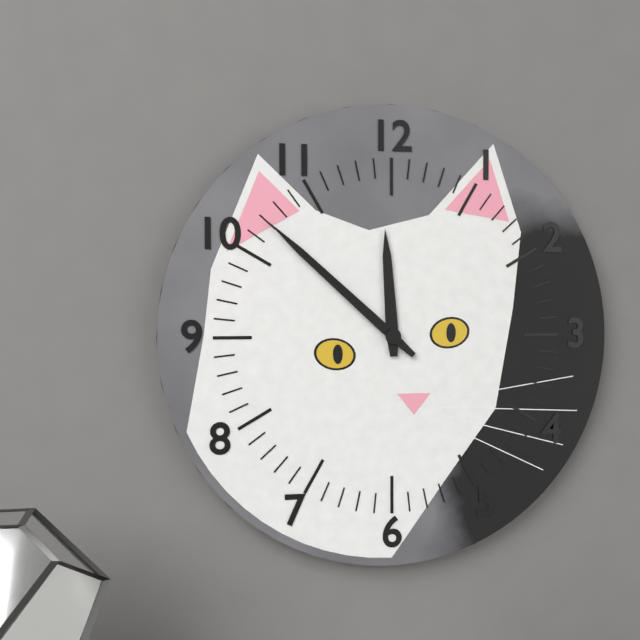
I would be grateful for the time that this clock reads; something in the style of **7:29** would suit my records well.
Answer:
**11:52**
